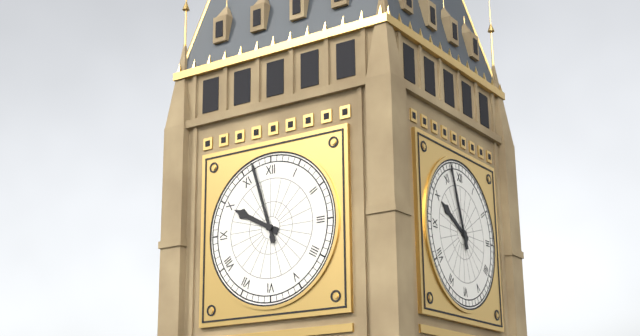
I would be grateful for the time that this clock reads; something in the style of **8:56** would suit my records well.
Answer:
**9:57**
